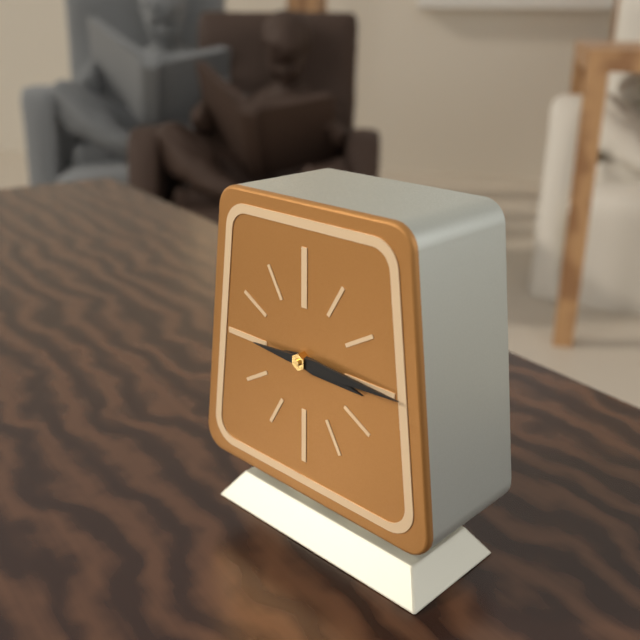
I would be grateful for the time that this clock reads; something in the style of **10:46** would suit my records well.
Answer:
**3:15**
